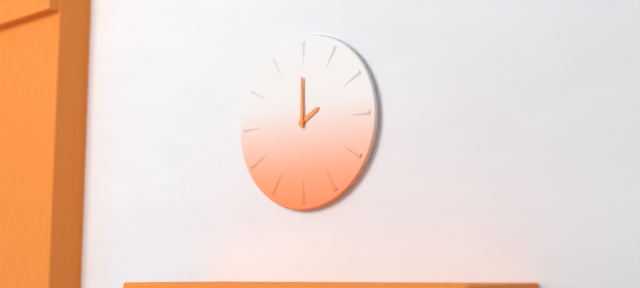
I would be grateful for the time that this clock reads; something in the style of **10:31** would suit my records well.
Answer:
**2:00**
